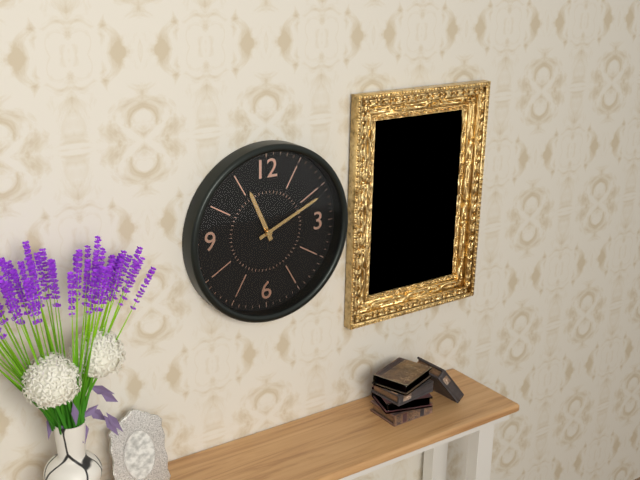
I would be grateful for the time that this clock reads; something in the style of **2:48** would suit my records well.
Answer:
**11:11**
